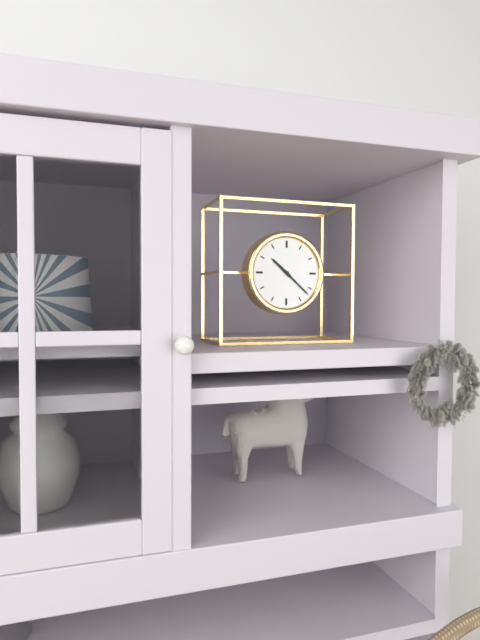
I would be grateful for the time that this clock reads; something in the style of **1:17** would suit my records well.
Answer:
**10:22**
